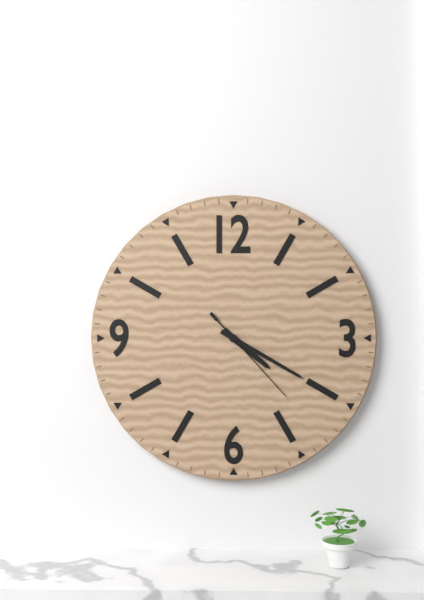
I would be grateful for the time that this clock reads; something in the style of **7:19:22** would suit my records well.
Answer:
**4:20:23**
